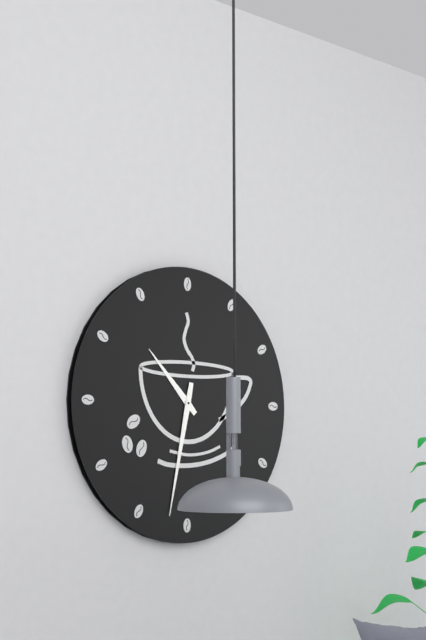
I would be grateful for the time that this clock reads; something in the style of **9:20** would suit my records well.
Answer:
**10:32**
